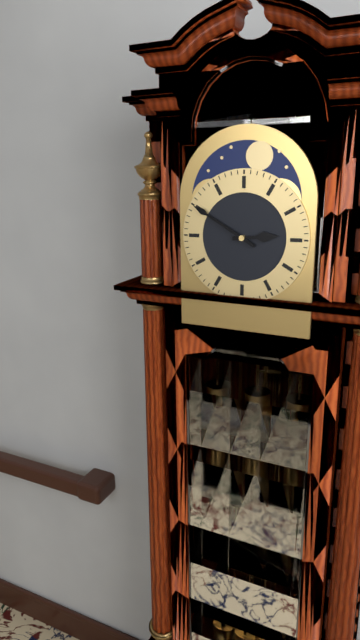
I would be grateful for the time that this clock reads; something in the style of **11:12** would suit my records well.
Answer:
**2:50**
